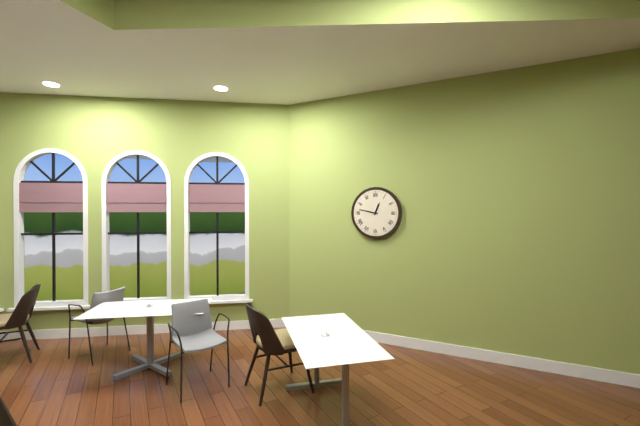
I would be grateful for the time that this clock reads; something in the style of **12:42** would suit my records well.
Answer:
**12:47**
